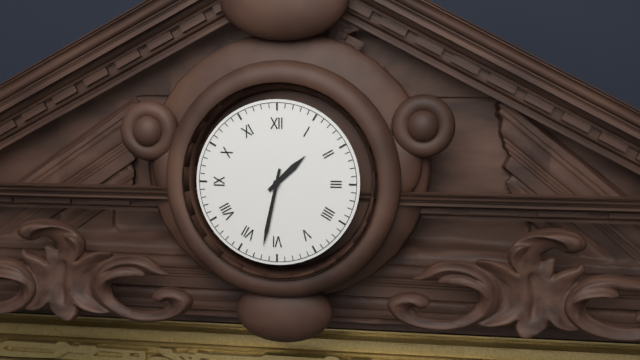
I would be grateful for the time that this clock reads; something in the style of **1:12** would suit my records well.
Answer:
**1:32**
